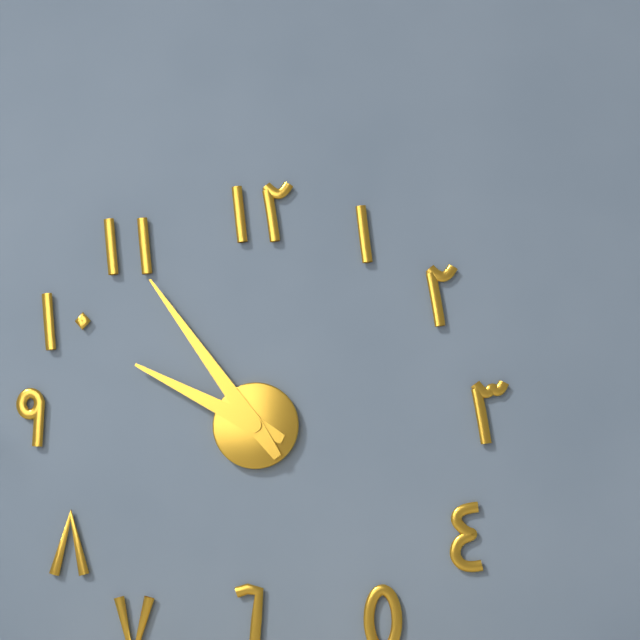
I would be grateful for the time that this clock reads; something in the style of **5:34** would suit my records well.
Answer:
**9:54**
